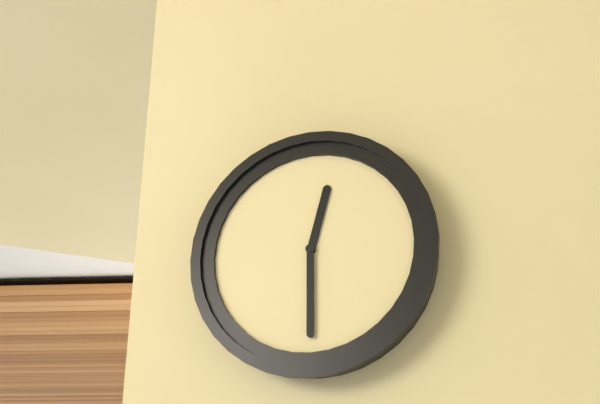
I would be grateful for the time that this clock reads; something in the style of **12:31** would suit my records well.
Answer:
**12:30**
